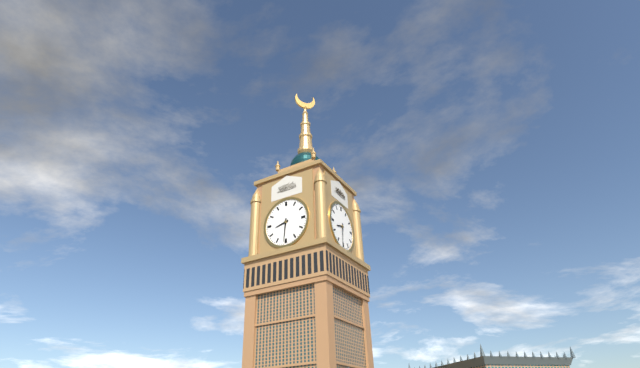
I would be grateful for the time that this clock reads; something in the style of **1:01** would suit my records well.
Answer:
**8:31**
